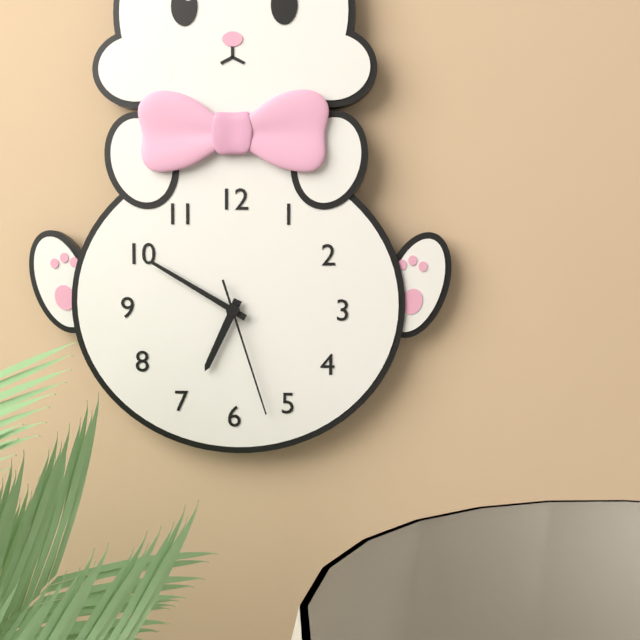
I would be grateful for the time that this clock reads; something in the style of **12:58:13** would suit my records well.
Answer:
**6:50:27**
